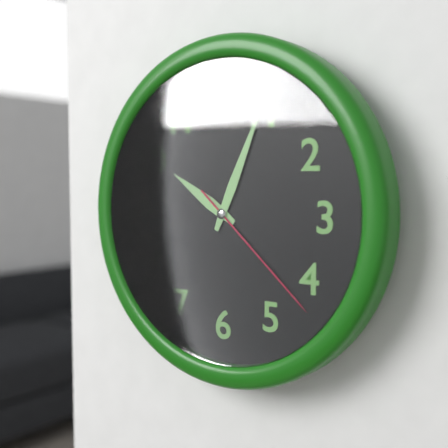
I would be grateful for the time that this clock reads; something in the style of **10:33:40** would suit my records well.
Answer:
**10:04:22**
